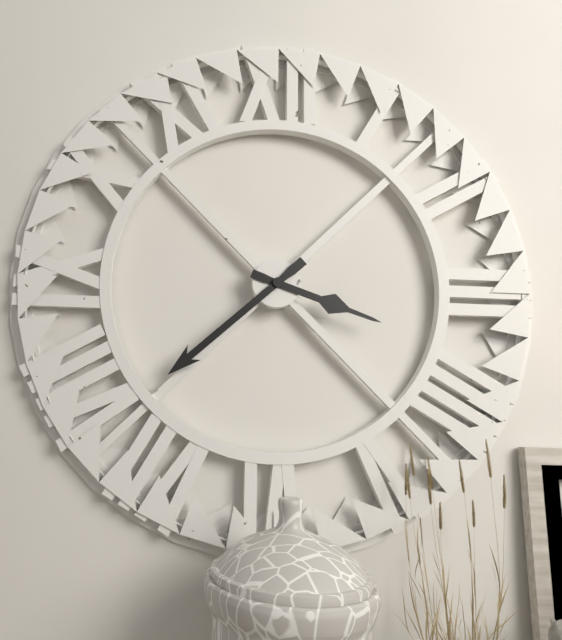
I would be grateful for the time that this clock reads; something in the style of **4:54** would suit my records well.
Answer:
**3:38**
